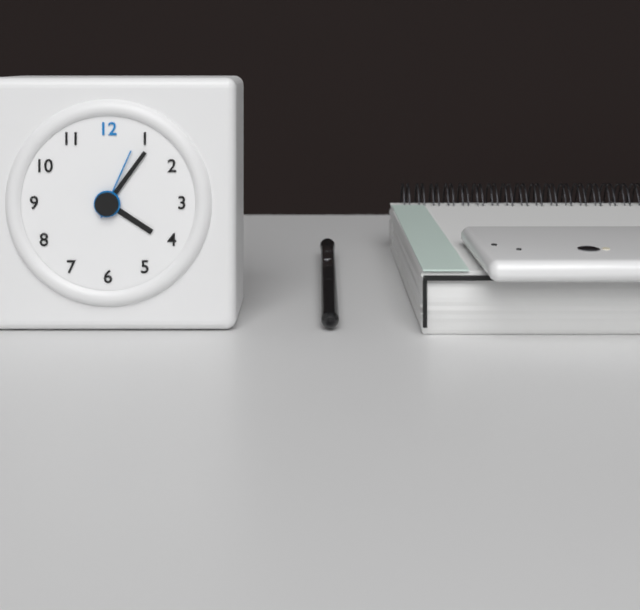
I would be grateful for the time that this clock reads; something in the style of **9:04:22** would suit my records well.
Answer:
**4:06:04**
